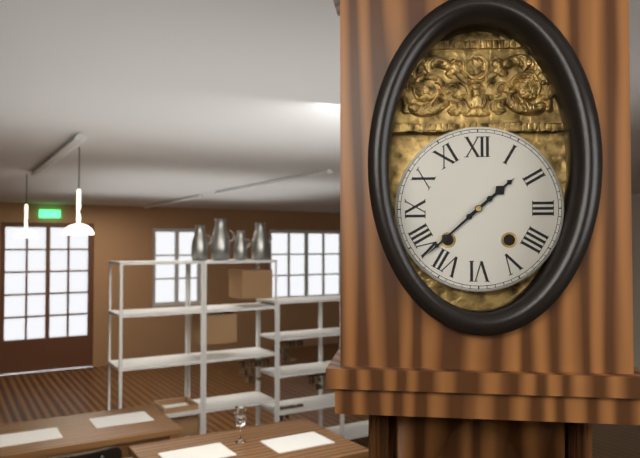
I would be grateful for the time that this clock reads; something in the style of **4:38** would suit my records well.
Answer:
**1:38**
